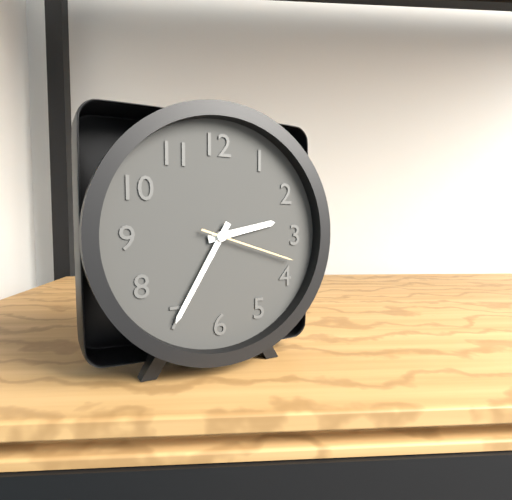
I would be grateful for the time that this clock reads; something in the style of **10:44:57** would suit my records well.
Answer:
**2:35:18**
